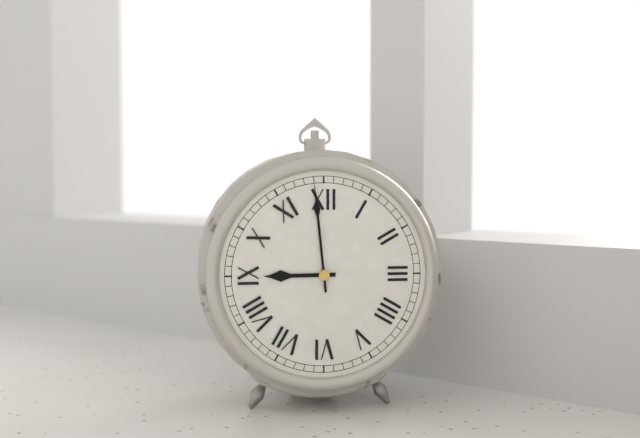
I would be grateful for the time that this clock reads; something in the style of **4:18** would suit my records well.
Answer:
**8:59**
